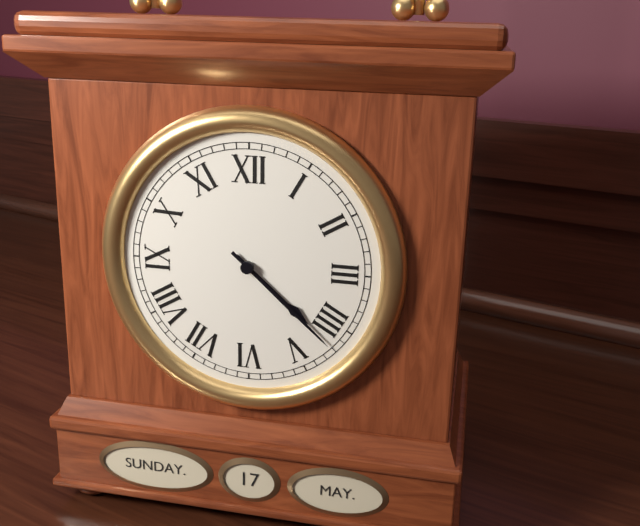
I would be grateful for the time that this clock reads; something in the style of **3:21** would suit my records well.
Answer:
**4:22**
